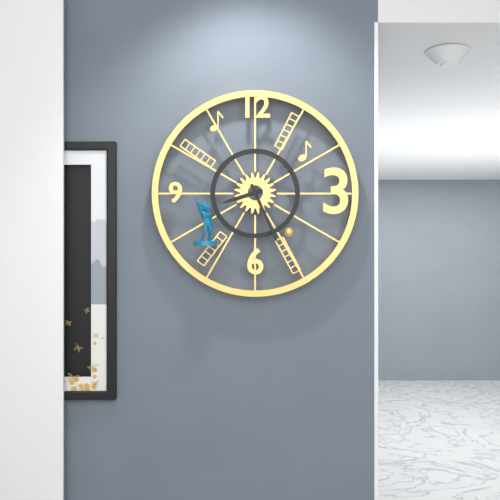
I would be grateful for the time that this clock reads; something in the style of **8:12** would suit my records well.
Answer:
**8:26**
